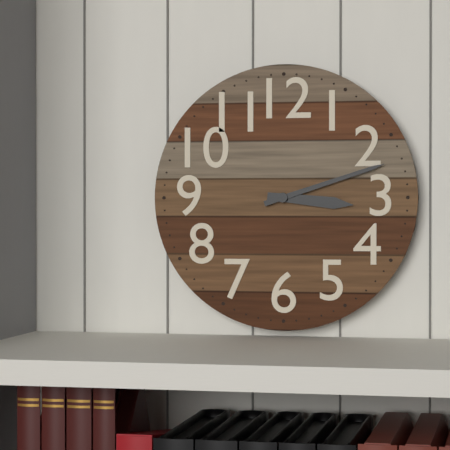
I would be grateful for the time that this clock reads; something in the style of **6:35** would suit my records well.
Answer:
**3:12**
